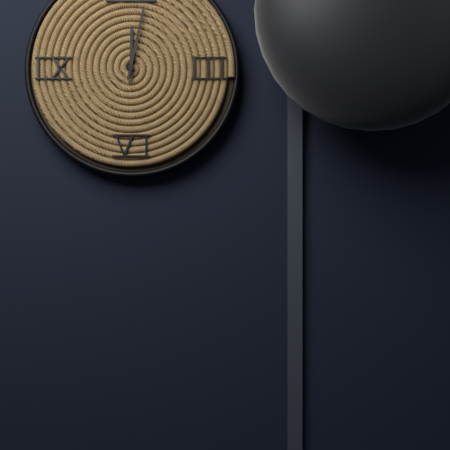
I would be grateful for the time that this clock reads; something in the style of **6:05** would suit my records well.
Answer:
**12:02**
